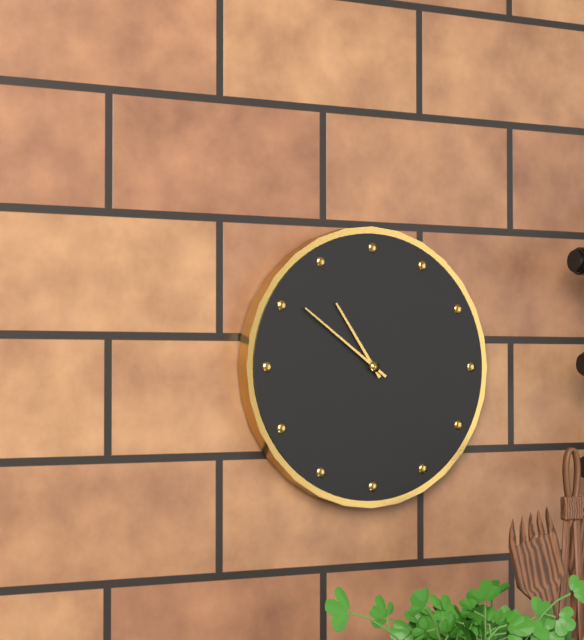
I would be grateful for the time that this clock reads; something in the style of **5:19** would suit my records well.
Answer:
**10:51**
